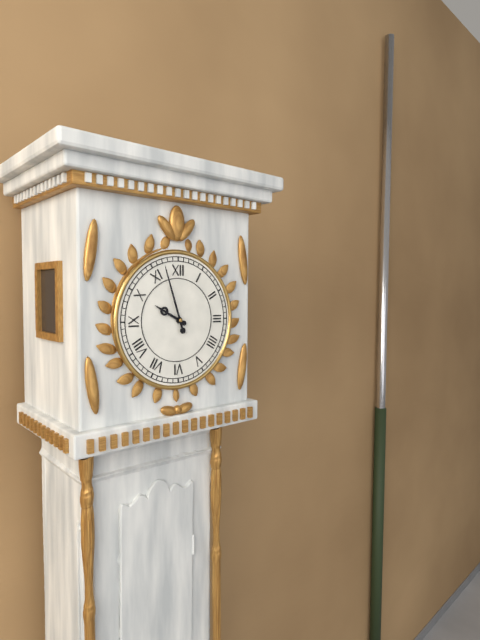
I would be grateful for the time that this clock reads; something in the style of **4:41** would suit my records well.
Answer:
**9:57**
